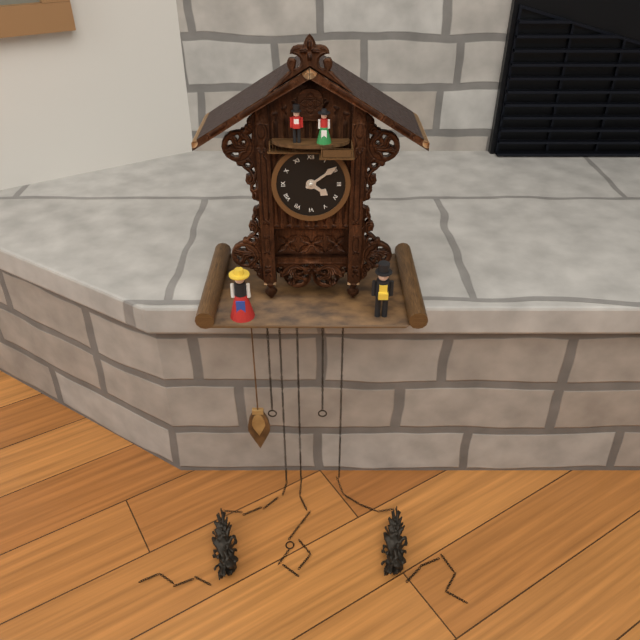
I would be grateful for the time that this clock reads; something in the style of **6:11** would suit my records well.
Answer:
**4:09**
